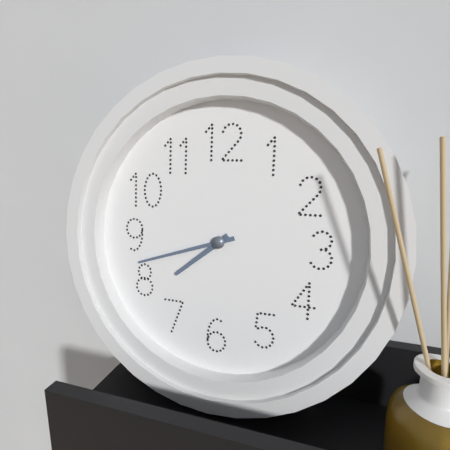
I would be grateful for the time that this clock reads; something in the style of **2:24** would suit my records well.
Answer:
**7:42**
